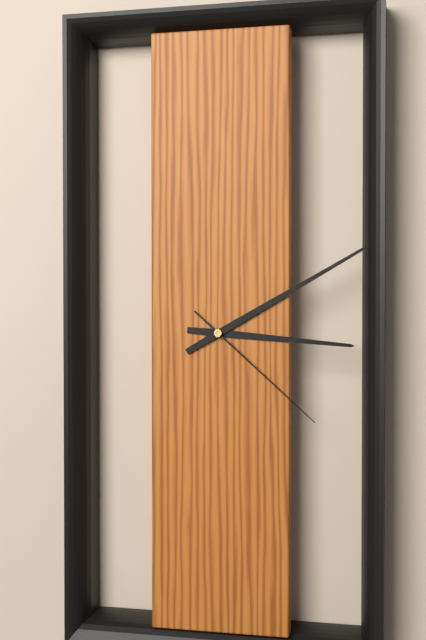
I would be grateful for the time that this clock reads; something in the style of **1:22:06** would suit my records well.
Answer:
**3:10:22**
